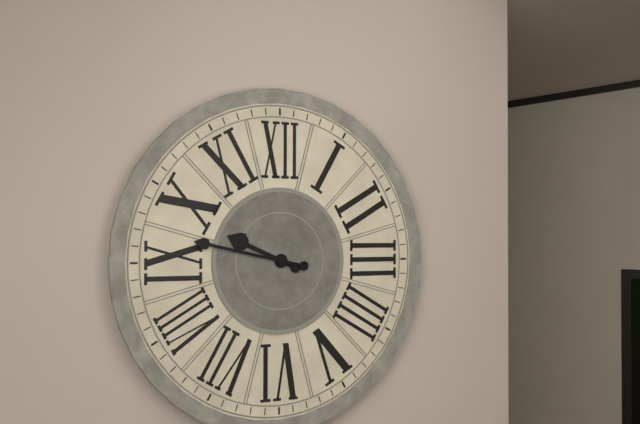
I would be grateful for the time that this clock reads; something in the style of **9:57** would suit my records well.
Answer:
**9:47**
